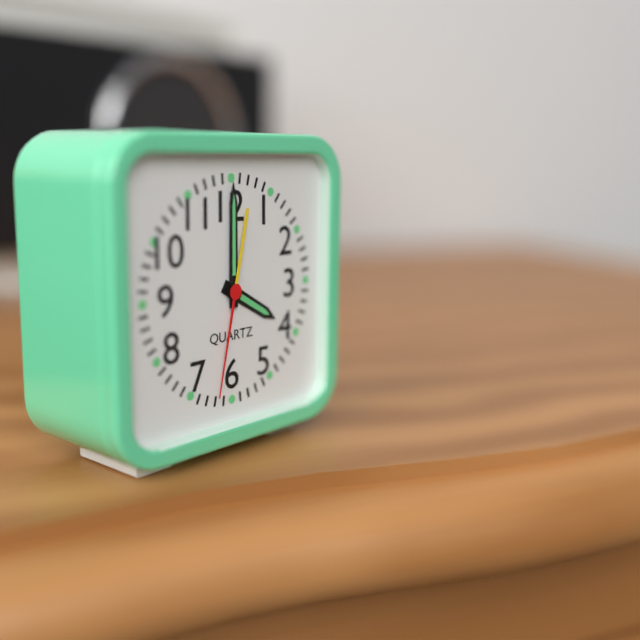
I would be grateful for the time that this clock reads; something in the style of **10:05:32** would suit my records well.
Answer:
**4:00:32**
